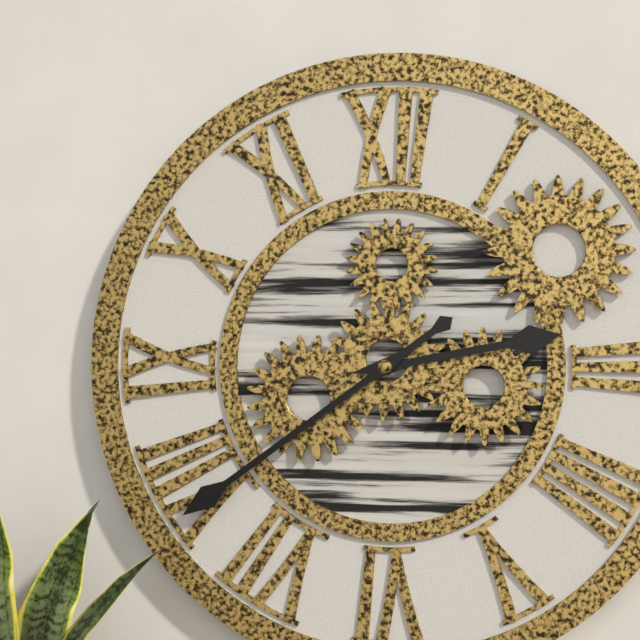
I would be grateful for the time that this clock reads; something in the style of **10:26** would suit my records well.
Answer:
**2:39**
